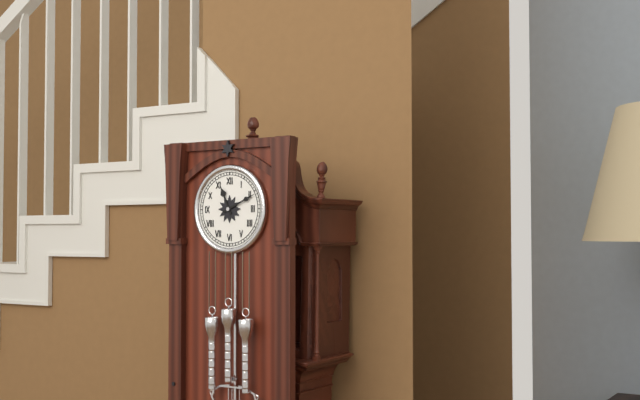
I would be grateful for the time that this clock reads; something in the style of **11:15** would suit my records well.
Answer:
**11:11**
